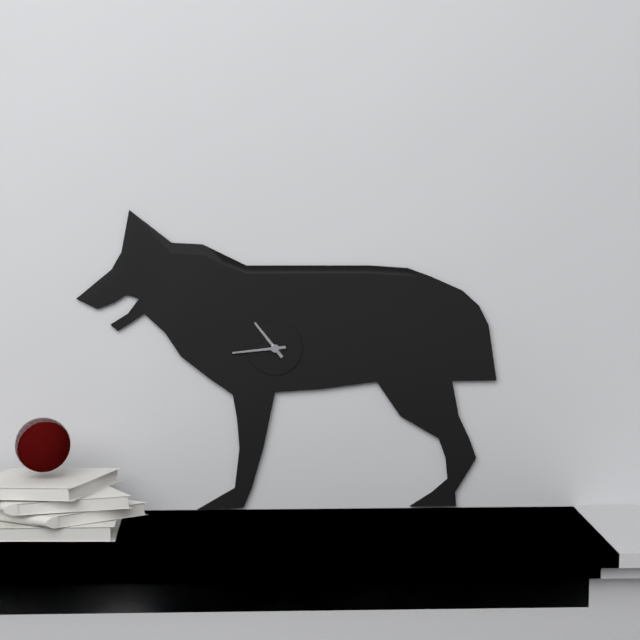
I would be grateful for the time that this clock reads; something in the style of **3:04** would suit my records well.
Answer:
**10:44**
